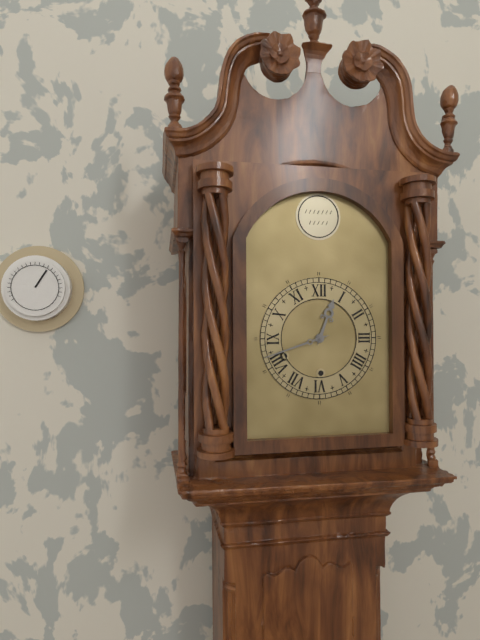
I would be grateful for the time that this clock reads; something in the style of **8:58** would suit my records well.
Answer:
**12:42**
